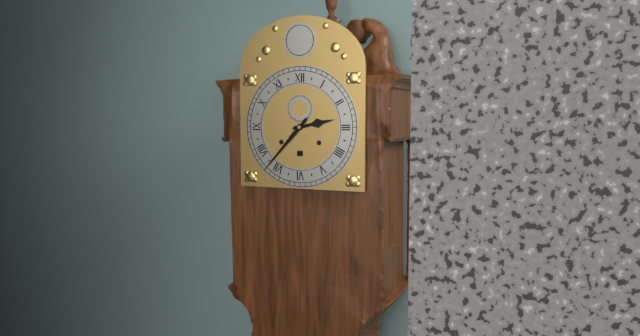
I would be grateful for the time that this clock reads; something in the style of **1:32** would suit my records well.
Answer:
**2:37**
